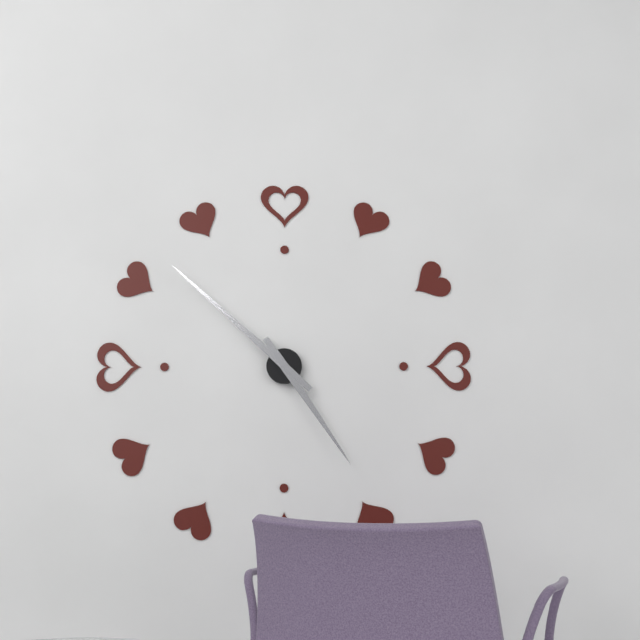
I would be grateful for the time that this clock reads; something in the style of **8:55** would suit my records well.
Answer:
**4:52**
